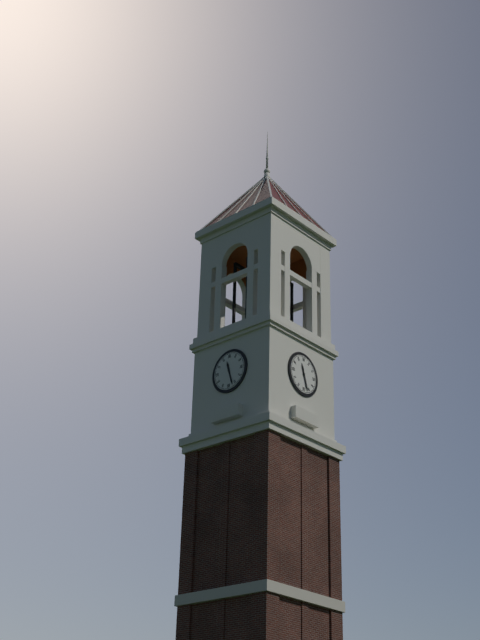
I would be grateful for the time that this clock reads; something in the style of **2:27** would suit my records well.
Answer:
**11:27**
